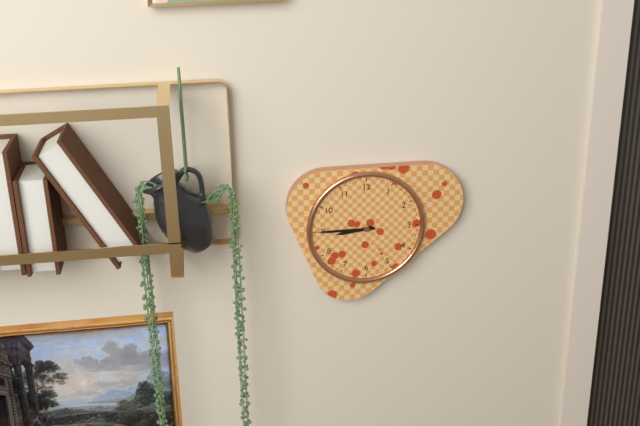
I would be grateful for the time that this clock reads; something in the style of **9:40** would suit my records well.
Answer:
**8:45**
